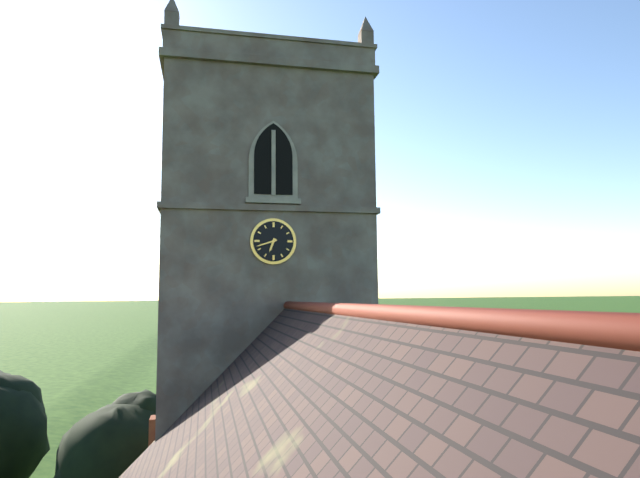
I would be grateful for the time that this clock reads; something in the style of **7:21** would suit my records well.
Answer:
**6:42**
